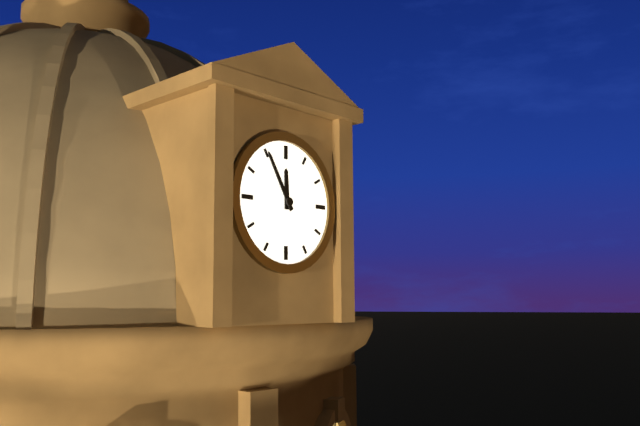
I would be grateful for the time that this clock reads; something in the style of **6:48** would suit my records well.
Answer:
**11:55**
